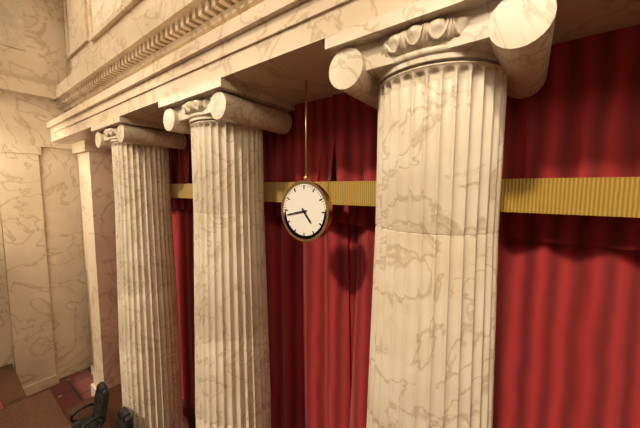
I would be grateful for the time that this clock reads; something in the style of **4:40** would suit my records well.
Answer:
**4:43**
